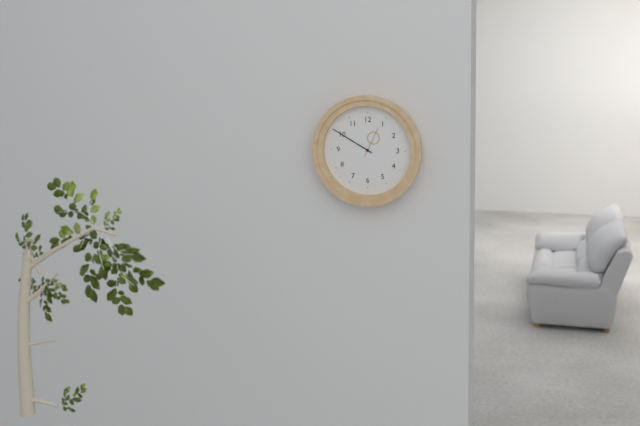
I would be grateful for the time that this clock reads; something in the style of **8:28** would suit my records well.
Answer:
**12:50**
